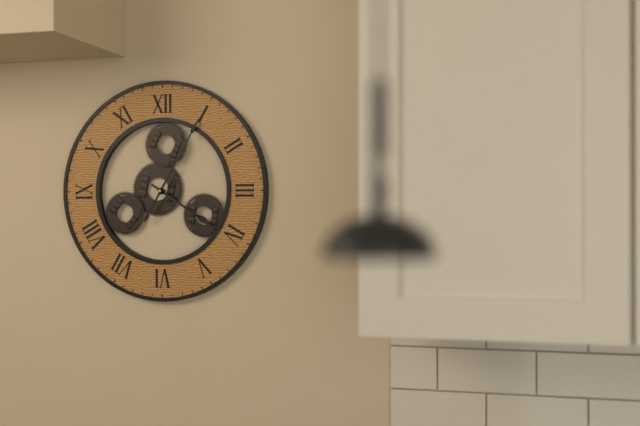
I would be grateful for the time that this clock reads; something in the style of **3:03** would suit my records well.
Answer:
**4:05**
